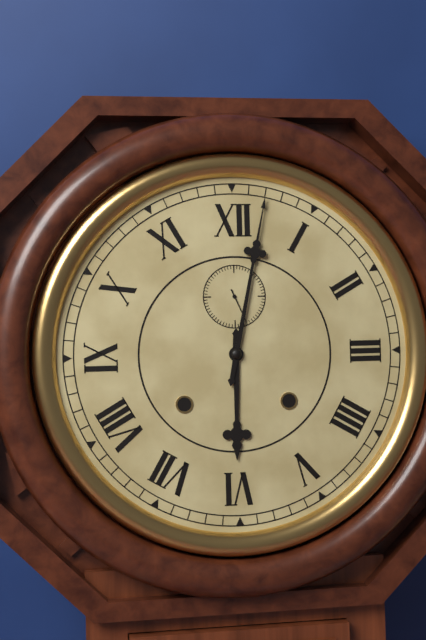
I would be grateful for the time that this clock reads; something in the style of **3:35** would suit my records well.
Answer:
**6:02**
